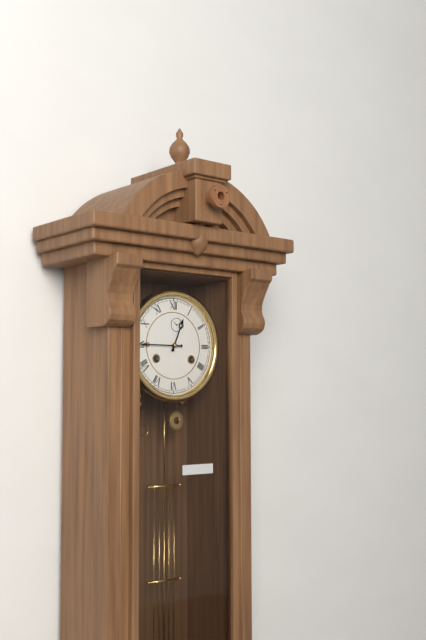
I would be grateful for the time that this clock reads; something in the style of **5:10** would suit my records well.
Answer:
**12:45**
